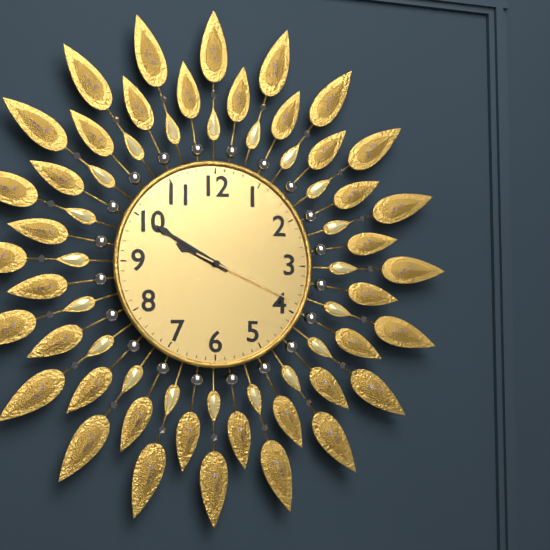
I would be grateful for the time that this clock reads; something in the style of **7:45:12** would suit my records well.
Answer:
**9:50:19**
